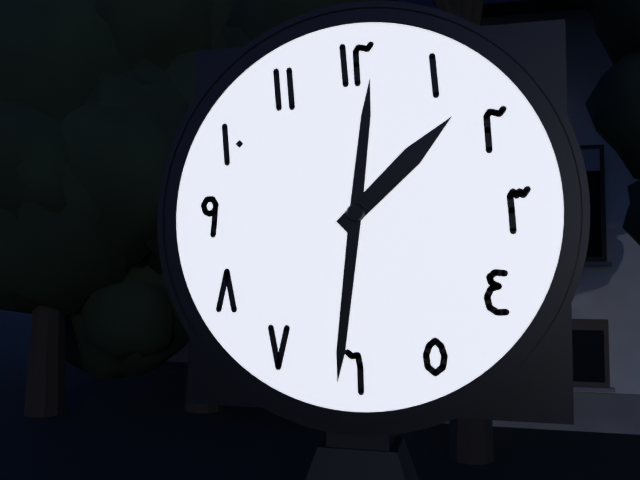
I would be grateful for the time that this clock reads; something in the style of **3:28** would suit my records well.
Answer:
**1:31**
